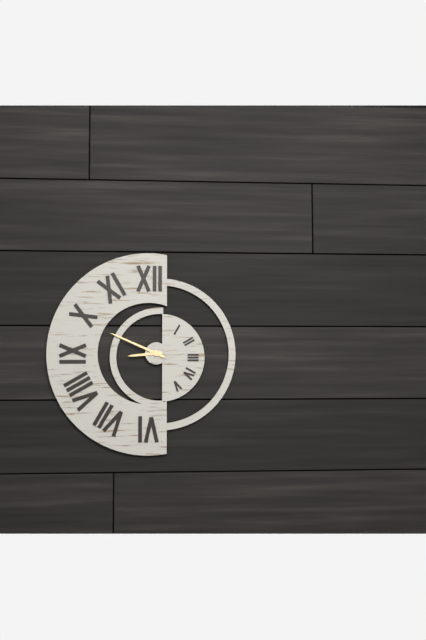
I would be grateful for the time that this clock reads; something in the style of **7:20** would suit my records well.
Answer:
**8:49**
